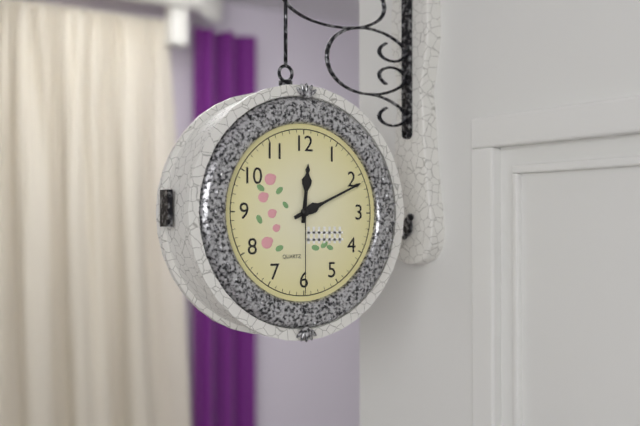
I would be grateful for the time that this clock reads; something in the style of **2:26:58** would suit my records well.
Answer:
**12:11:30**
